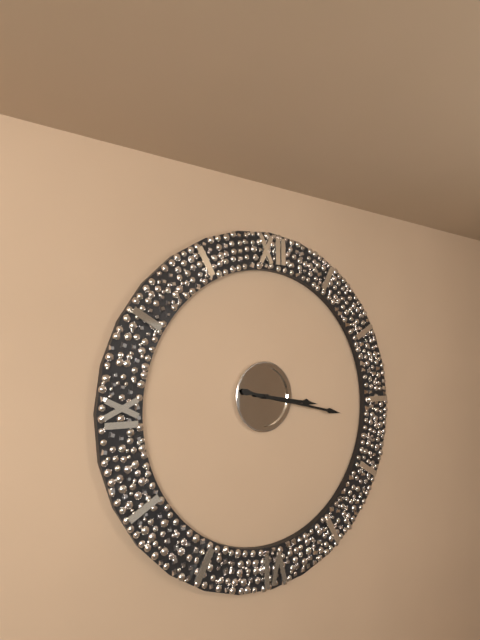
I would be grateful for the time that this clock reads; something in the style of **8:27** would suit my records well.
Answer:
**3:17**
